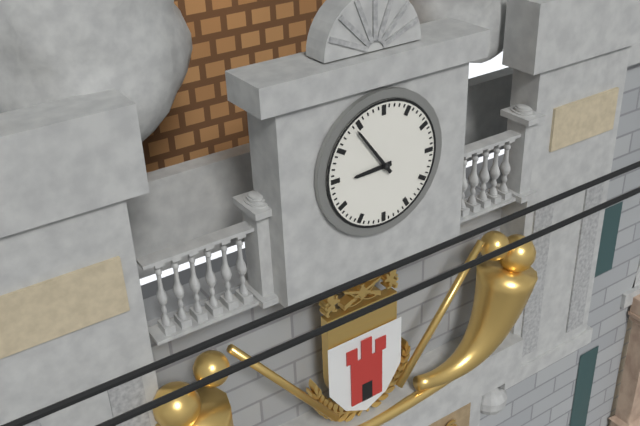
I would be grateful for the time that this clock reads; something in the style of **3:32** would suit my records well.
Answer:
**8:54**
